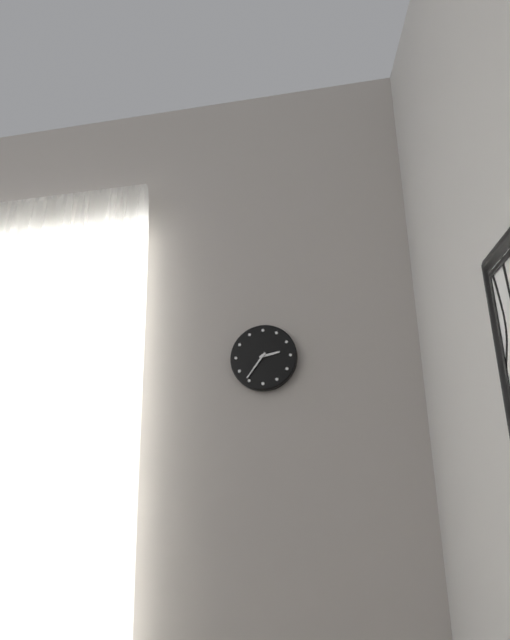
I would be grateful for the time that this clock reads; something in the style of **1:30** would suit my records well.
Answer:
**2:36**
